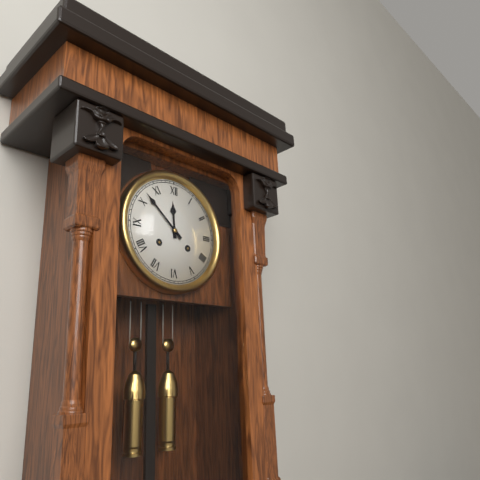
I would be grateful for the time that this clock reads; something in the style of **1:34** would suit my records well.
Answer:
**11:52**
